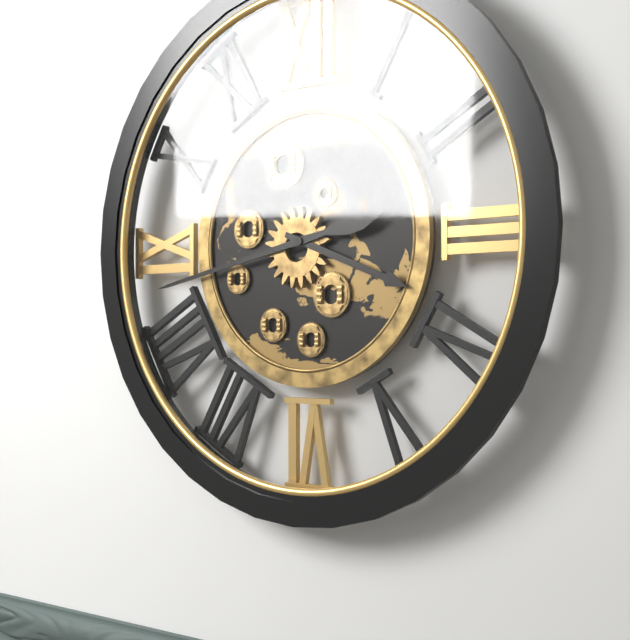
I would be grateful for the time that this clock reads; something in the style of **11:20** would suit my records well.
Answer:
**3:43**
